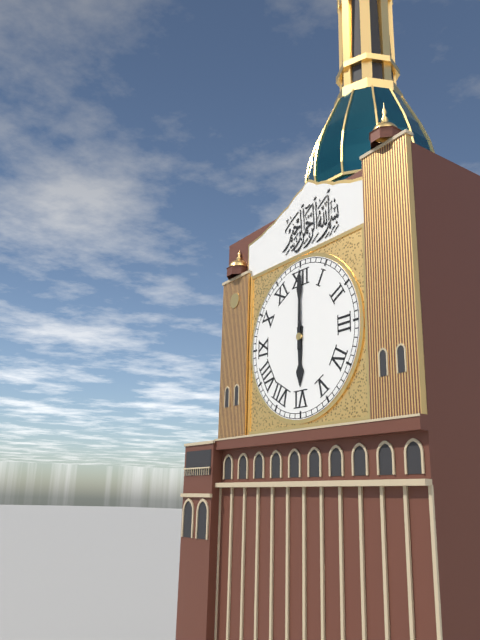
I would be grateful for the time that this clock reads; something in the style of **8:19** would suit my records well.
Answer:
**6:00**
